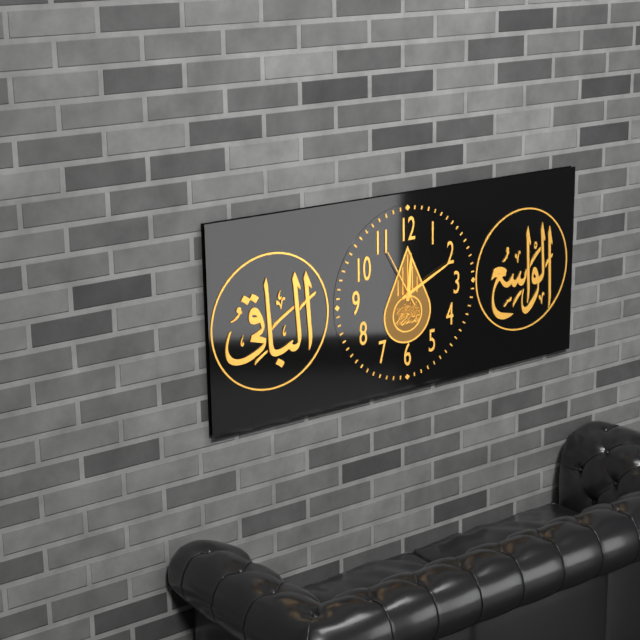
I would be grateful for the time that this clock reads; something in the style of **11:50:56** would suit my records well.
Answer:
**12:11:55**
